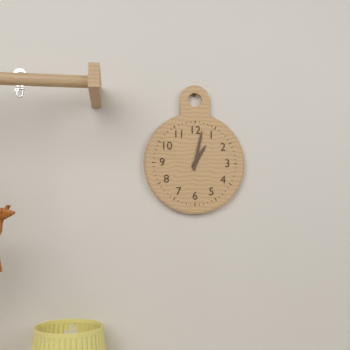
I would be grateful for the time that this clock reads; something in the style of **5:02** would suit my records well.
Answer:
**1:02**
